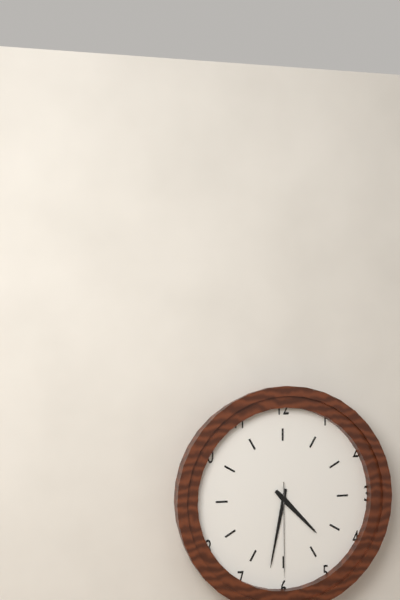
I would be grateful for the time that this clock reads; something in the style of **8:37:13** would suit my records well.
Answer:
**4:32:30**
